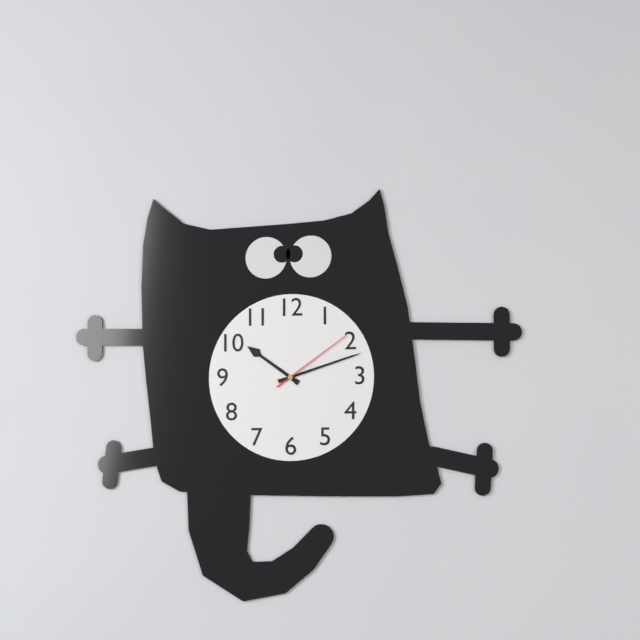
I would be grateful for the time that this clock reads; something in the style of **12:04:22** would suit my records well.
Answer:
**10:12:09**
